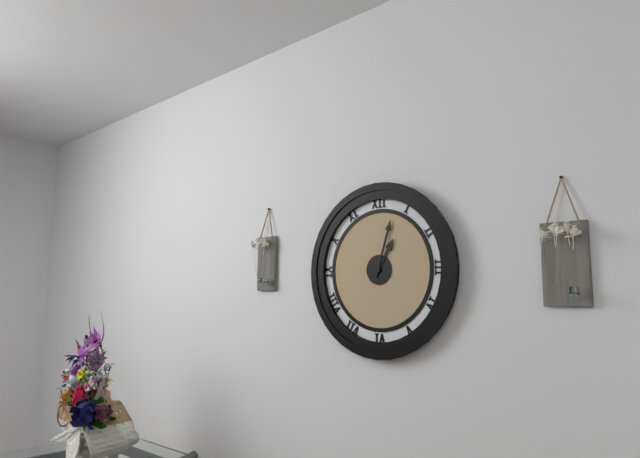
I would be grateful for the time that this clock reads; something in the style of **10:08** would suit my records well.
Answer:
**1:03**
